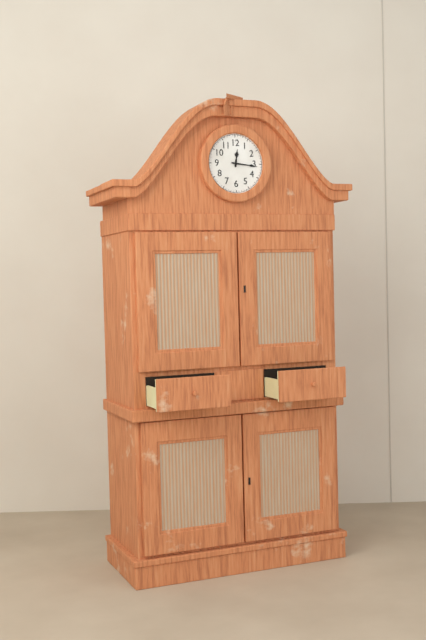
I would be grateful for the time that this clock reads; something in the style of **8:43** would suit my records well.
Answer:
**12:16**
